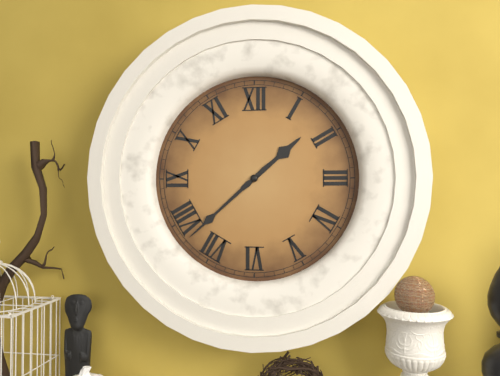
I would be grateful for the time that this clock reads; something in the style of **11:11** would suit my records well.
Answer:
**1:38**
